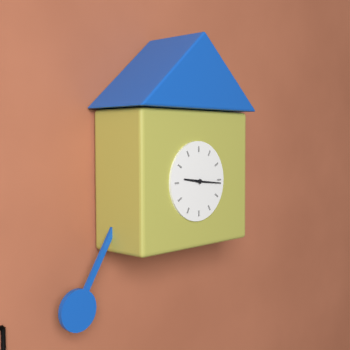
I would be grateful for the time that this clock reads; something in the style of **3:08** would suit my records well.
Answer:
**9:16**
